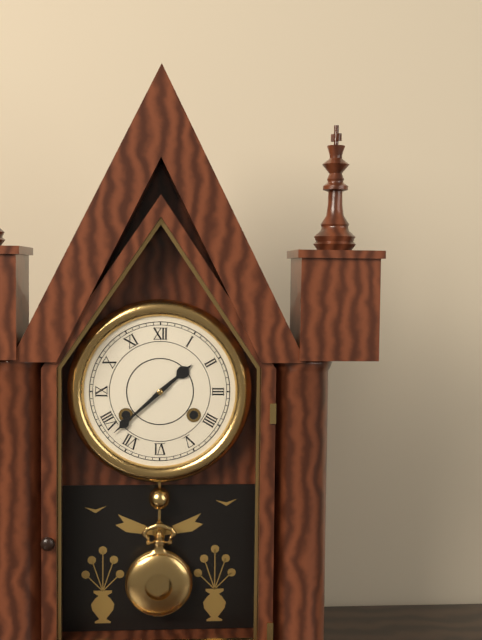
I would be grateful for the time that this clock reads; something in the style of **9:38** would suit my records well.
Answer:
**1:38**
